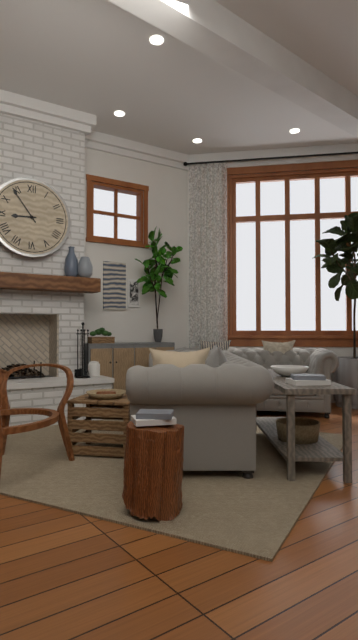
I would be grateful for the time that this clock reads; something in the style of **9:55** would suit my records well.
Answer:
**8:54**
